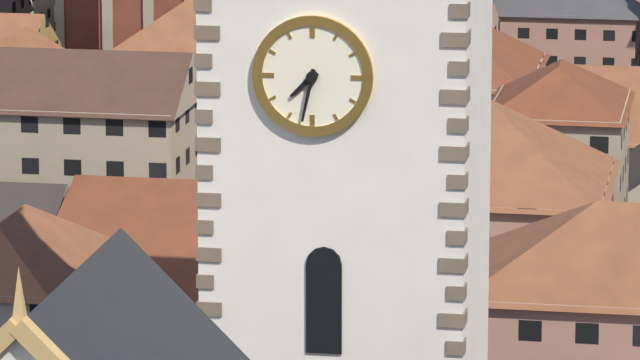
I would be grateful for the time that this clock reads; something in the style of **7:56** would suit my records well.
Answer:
**7:32**
